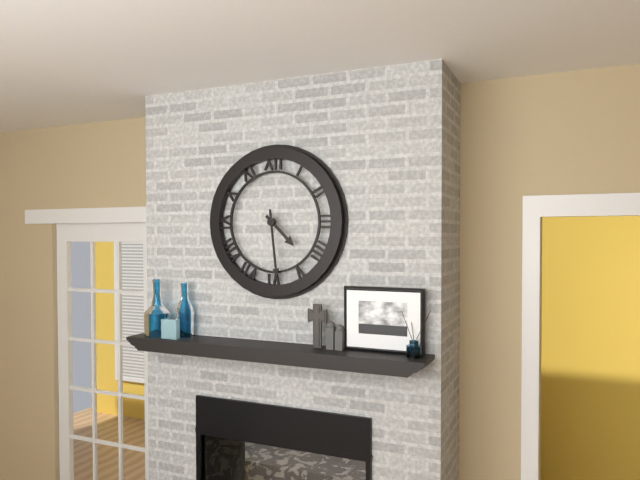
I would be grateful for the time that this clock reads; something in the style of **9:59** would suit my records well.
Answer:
**4:29**
